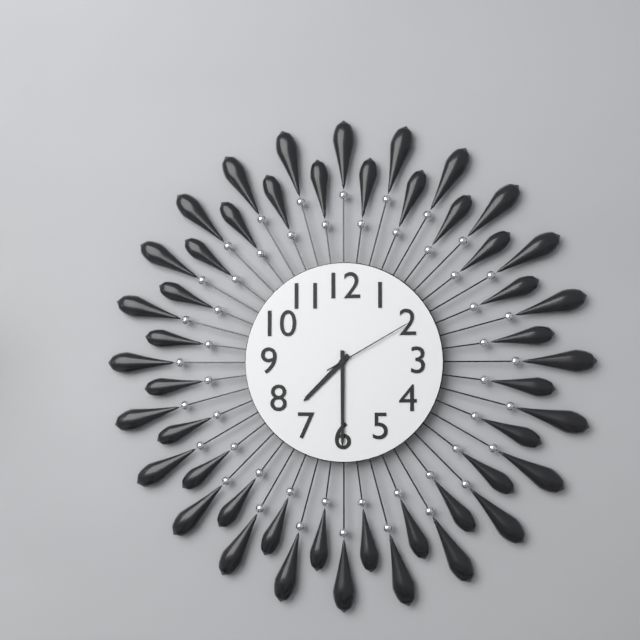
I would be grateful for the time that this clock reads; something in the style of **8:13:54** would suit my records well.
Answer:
**7:30:10**
